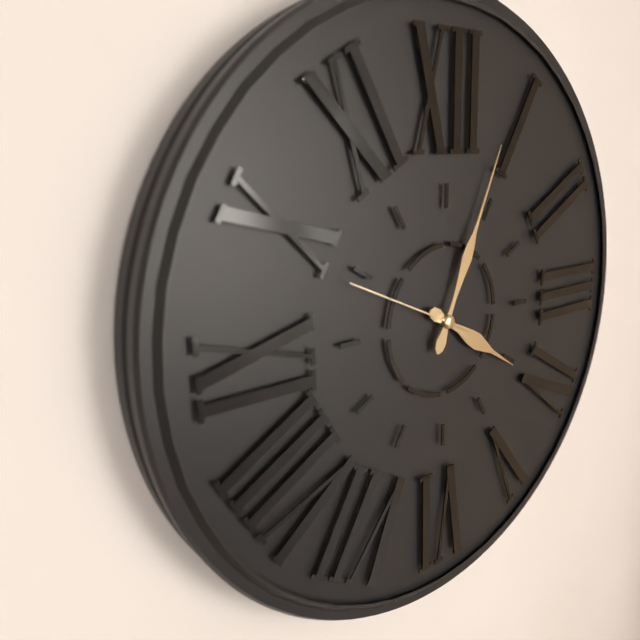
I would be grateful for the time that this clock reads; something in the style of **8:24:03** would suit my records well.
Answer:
**4:04:49**
